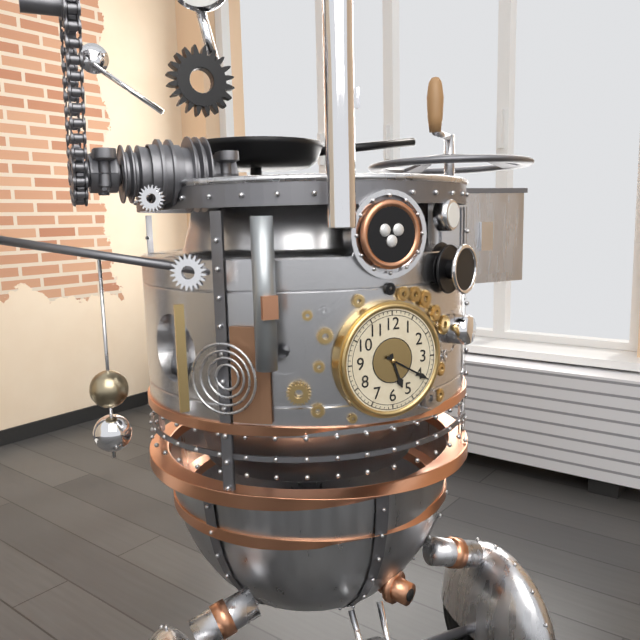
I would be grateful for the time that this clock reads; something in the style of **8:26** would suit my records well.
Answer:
**5:20**
